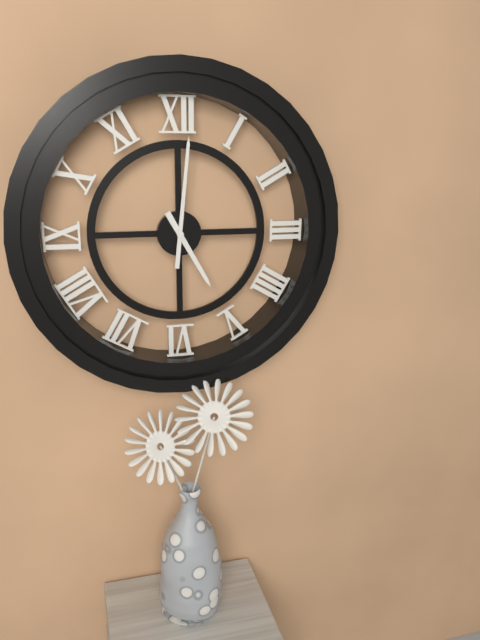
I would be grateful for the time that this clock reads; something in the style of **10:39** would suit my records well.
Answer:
**5:01**
